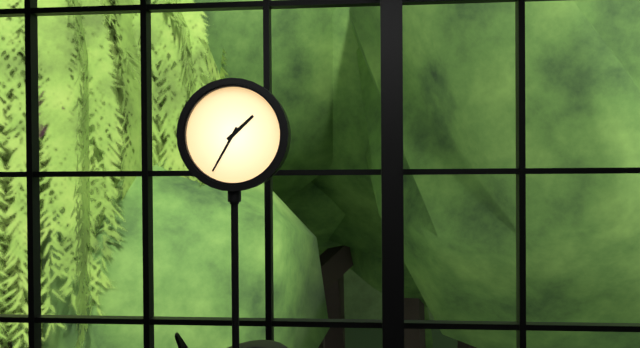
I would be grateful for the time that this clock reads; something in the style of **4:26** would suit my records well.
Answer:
**1:35**
